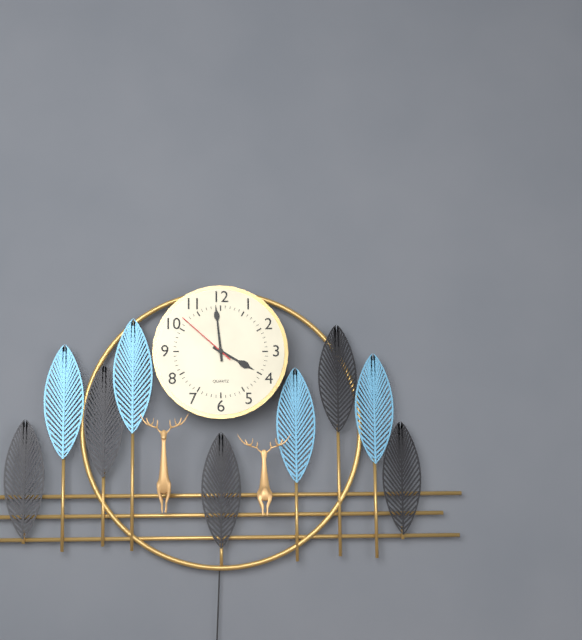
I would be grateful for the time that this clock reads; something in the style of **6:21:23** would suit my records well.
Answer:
**3:59:52**
